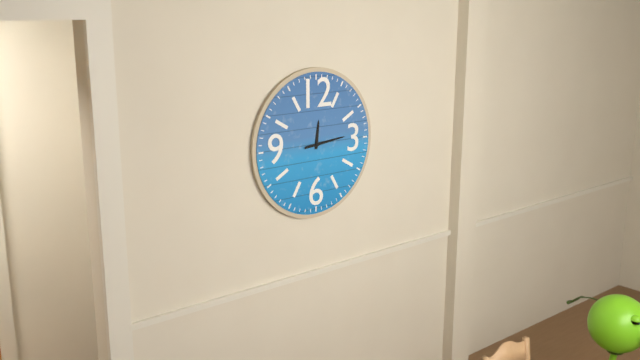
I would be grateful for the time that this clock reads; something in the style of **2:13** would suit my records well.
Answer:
**12:14**
